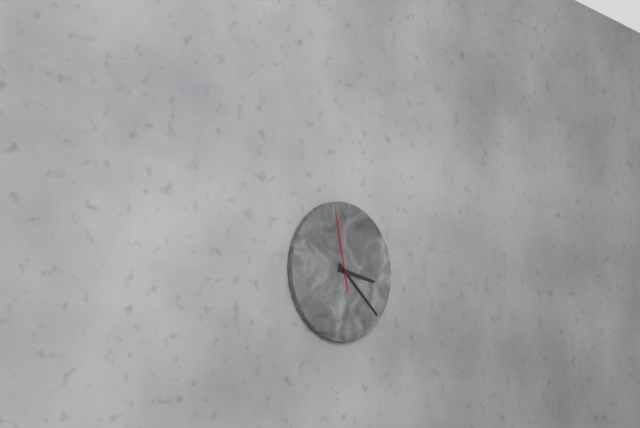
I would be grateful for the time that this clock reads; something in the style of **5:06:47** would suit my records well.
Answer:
**3:22:58**
